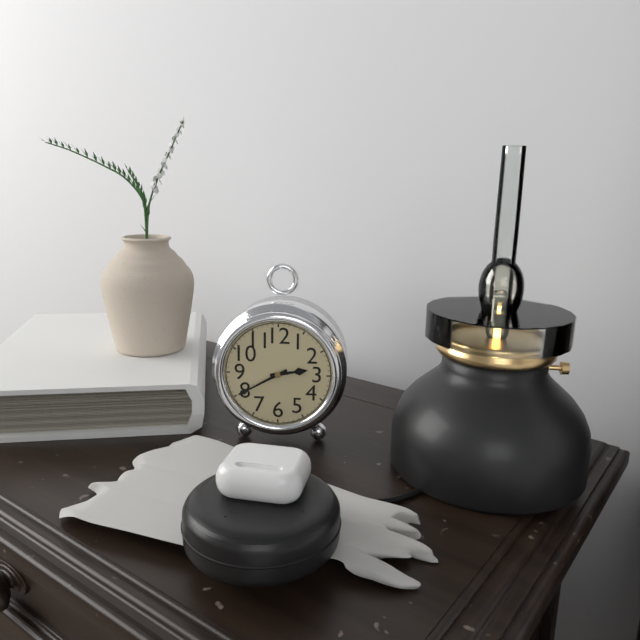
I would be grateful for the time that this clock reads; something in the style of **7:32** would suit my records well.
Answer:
**2:40**
